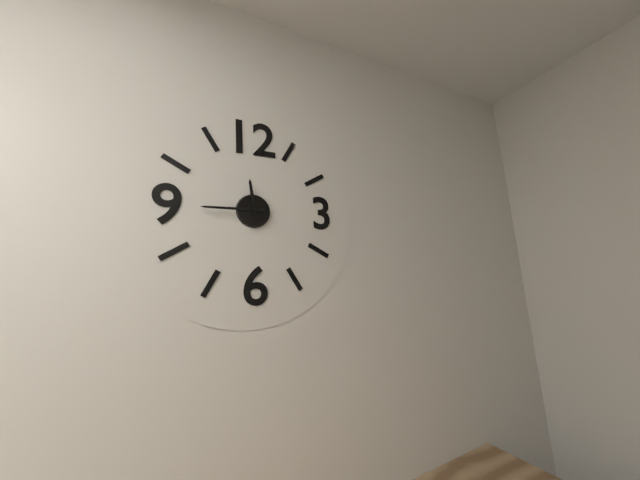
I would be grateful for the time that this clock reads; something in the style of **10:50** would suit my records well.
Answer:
**11:45**
